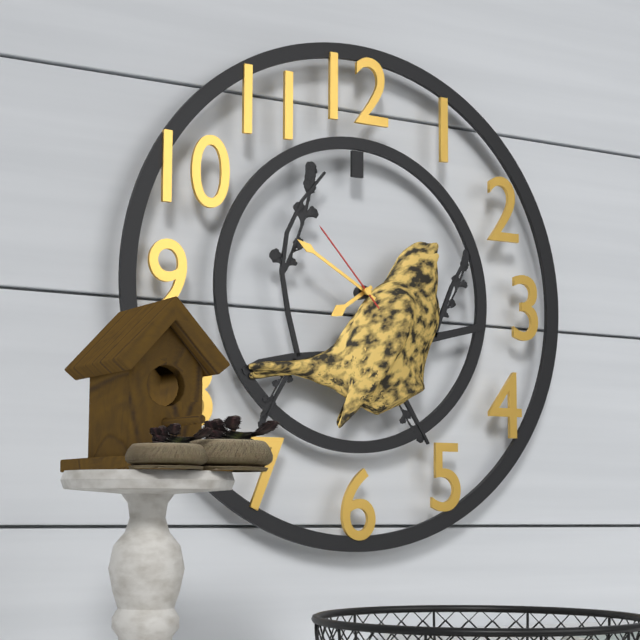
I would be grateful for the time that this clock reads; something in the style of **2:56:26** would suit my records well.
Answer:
**7:50:53**
